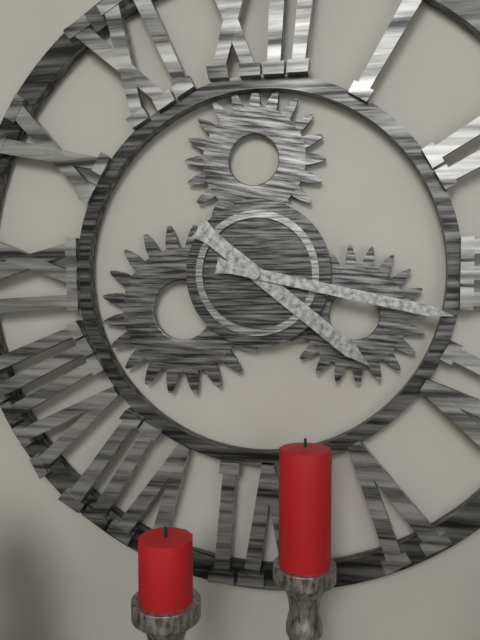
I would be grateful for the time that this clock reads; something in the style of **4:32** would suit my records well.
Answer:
**4:17**
